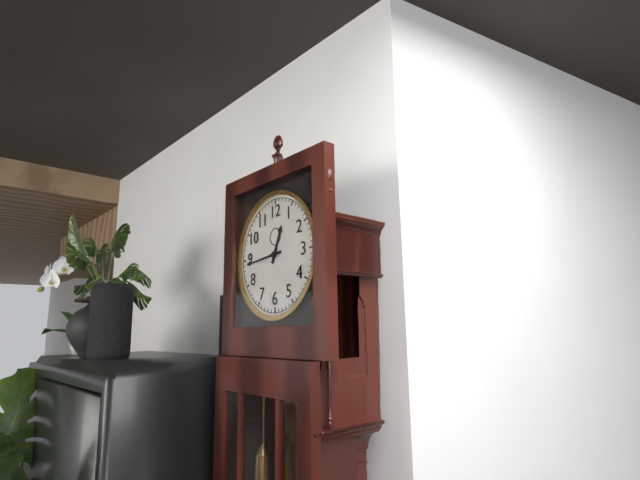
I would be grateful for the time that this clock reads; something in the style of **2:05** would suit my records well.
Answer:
**12:44**
